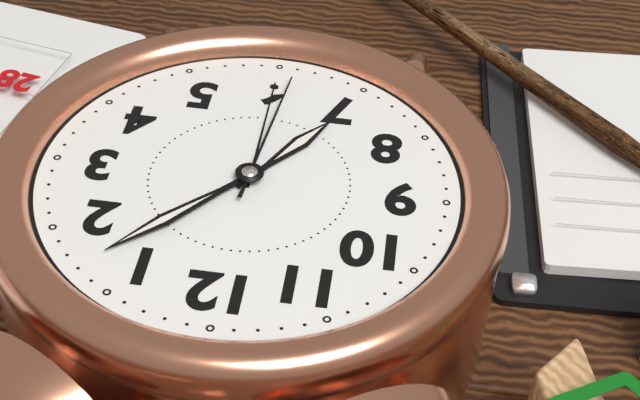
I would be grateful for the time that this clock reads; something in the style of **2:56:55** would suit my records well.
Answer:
**7:07:31**
